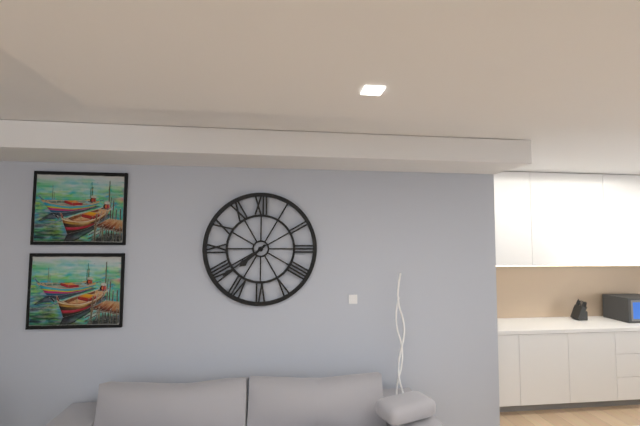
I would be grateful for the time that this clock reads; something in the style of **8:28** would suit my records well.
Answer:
**7:39**
